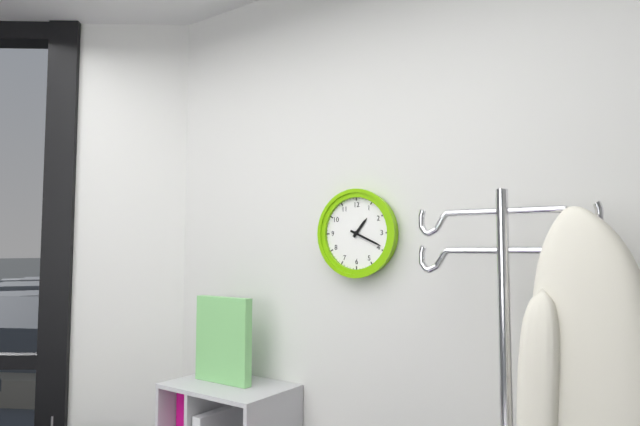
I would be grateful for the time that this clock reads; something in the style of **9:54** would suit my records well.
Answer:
**1:19**
